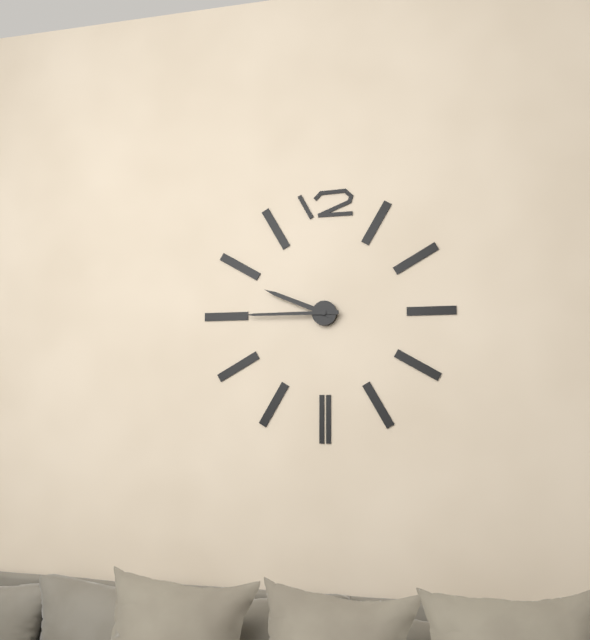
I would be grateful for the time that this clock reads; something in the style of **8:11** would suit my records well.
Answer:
**9:45**
